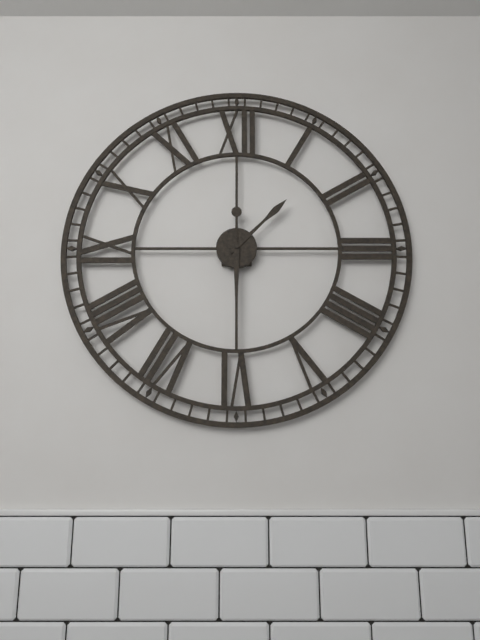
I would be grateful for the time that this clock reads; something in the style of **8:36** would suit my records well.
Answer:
**1:30**
